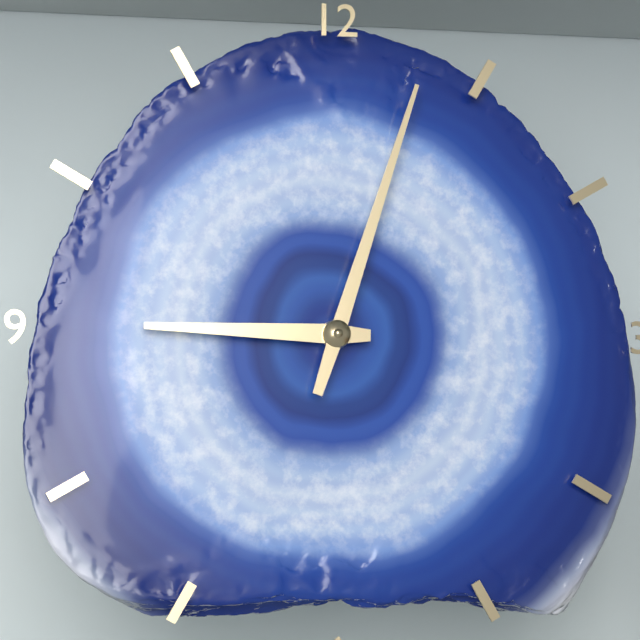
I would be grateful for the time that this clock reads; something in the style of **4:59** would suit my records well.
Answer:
**9:03**
